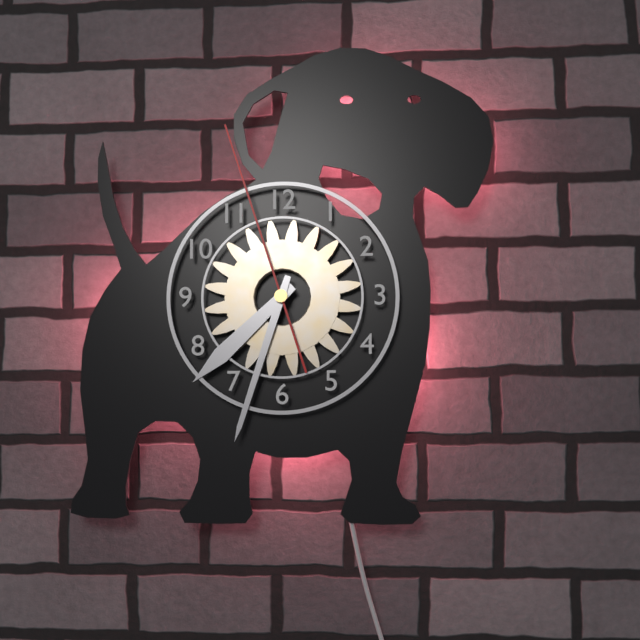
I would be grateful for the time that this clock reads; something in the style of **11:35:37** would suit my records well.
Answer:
**7:33:57**
